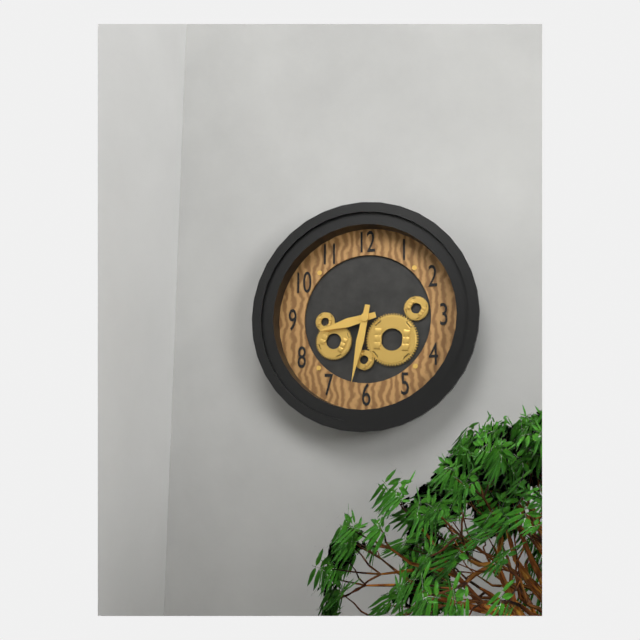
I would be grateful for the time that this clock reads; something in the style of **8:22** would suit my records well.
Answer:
**8:32**
